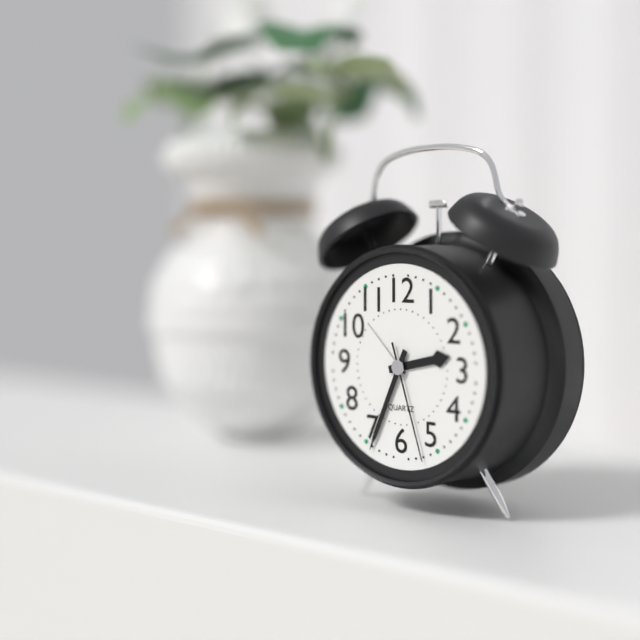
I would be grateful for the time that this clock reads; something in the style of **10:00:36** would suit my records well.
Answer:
**2:34:27**
